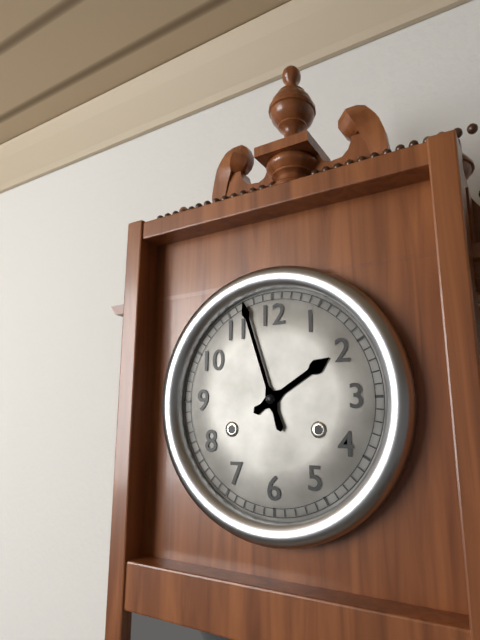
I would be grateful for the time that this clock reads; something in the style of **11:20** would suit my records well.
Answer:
**1:57**
